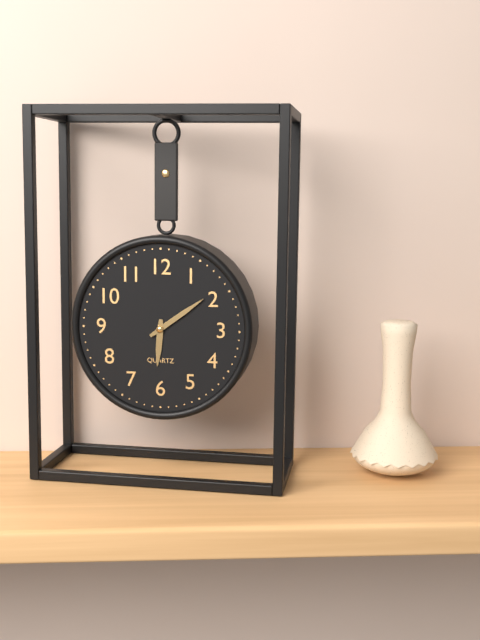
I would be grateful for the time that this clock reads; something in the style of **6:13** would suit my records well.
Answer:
**6:09**
